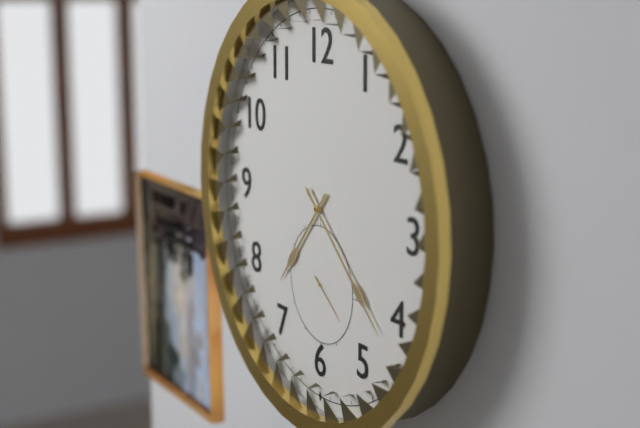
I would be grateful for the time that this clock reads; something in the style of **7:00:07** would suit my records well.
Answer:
**7:22:21**
